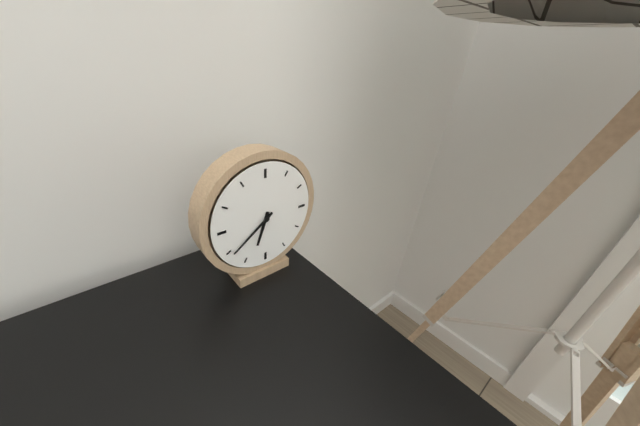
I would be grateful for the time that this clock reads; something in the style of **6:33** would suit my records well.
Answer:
**6:39**
